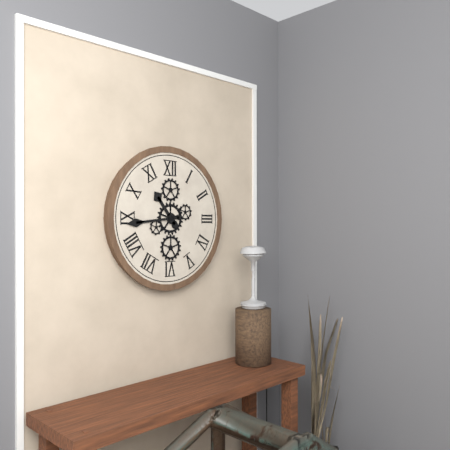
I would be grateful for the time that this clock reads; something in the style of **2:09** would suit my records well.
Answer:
**10:44**
